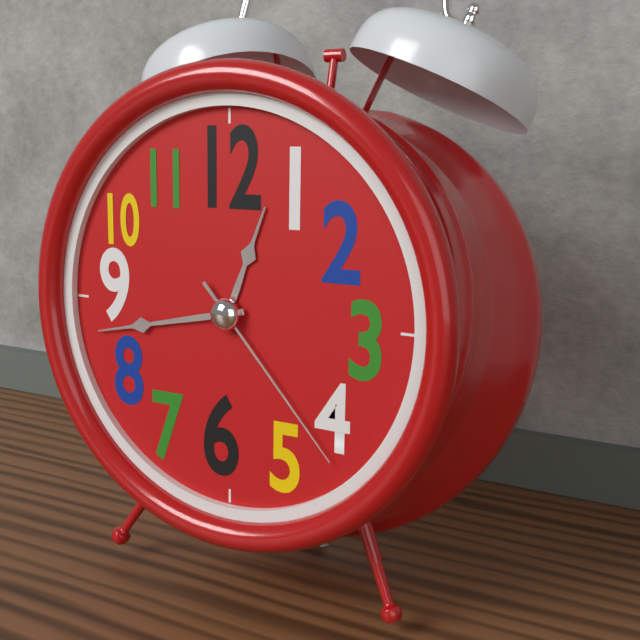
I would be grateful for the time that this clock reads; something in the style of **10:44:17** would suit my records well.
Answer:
**12:43:23**
